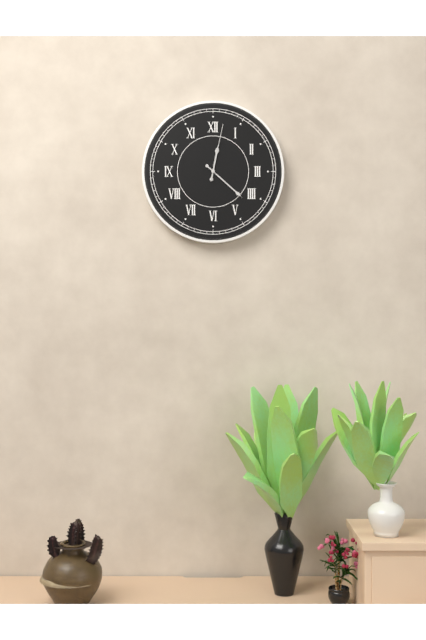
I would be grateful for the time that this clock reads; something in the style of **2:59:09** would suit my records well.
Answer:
**12:22:02**
